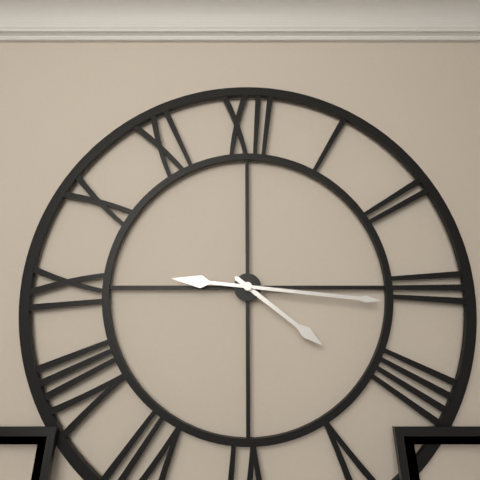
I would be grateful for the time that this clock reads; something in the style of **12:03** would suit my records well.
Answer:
**4:16**
